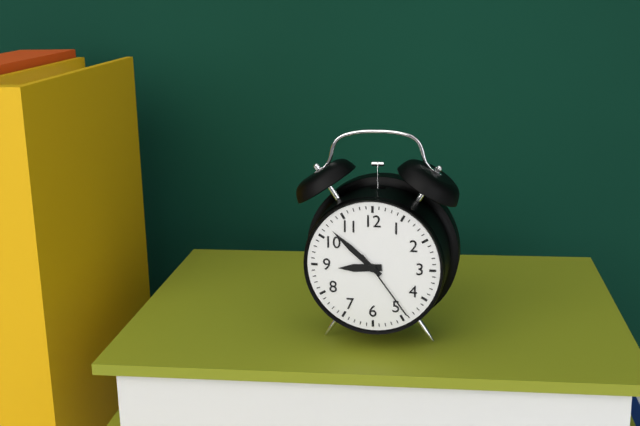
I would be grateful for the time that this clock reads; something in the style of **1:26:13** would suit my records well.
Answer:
**8:52:24**
